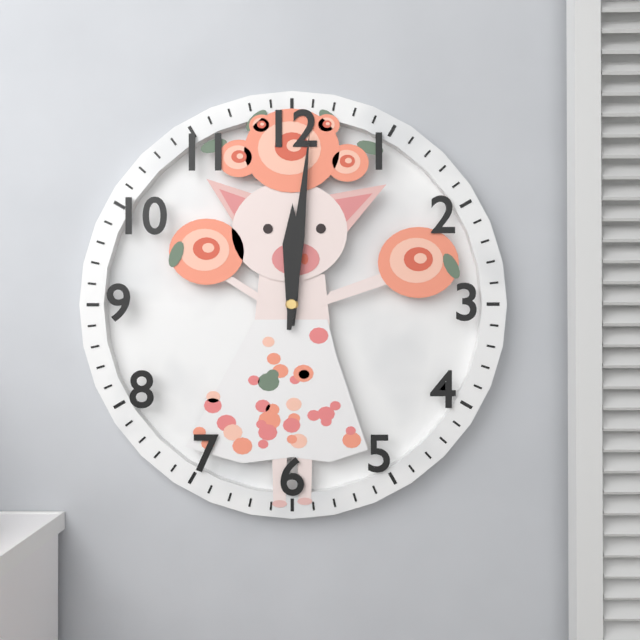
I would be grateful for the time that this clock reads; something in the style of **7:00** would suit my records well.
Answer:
**12:01**
